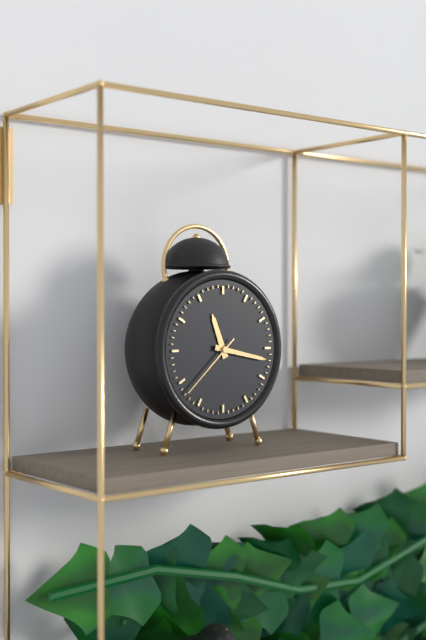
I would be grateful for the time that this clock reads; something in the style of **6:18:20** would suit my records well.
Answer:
**11:17:38**
